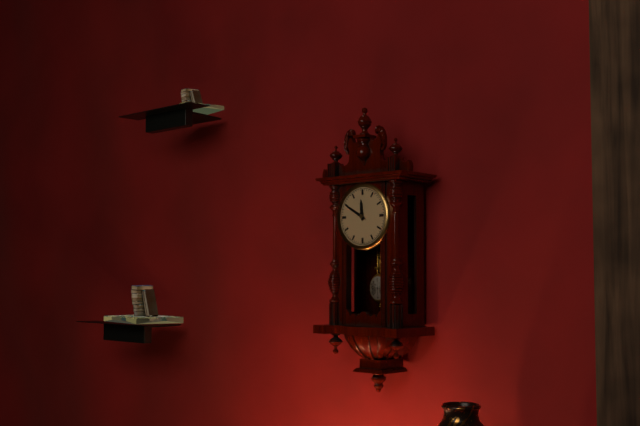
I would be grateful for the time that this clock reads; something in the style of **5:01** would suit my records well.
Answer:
**11:50**
